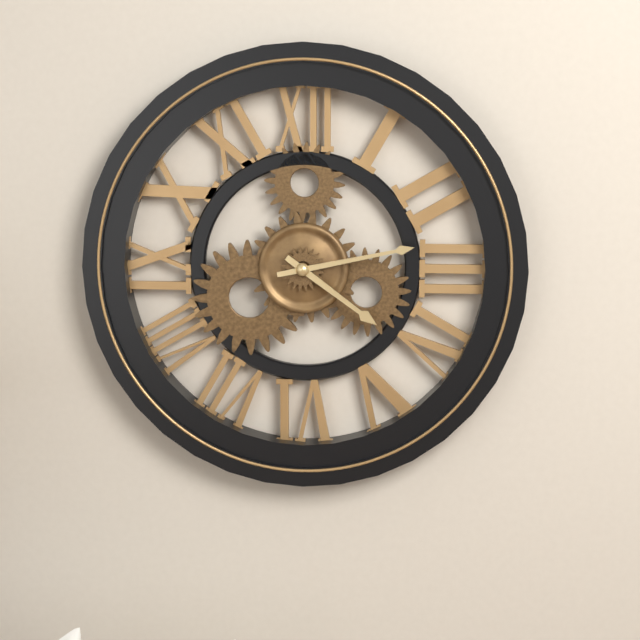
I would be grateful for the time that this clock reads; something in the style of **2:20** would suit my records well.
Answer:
**4:13**
